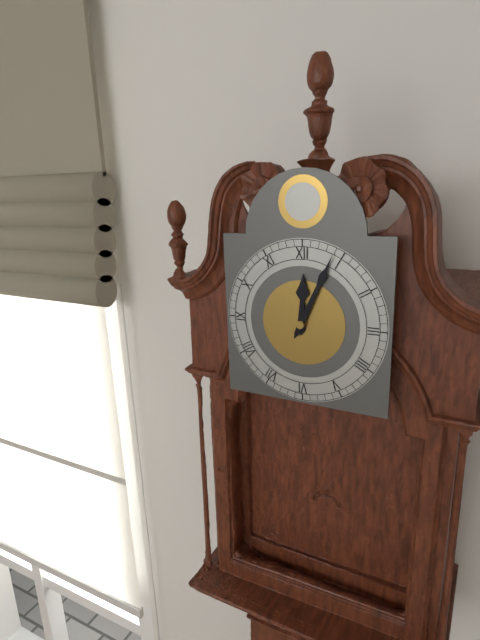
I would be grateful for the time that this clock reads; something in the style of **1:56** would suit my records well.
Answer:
**12:04**
